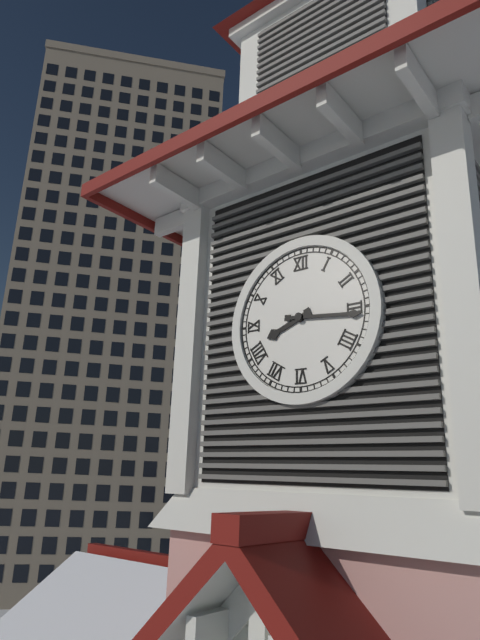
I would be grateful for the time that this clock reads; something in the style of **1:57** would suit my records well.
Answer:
**8:16**
